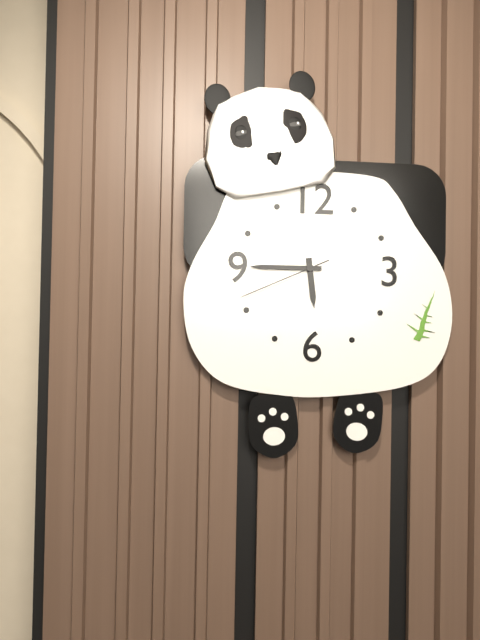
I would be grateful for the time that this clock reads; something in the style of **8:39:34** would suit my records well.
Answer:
**5:45:41**
